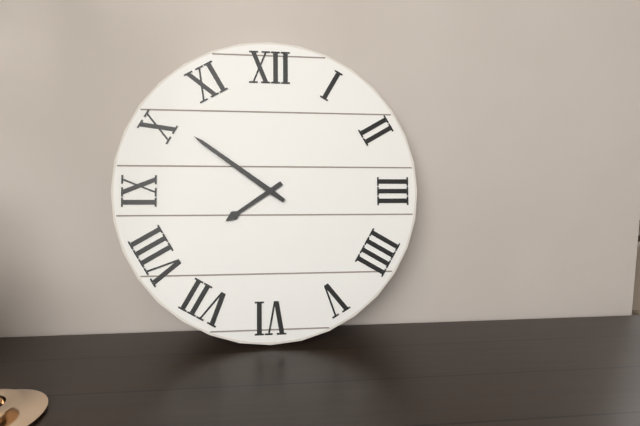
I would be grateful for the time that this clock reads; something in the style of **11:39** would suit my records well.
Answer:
**7:51**
